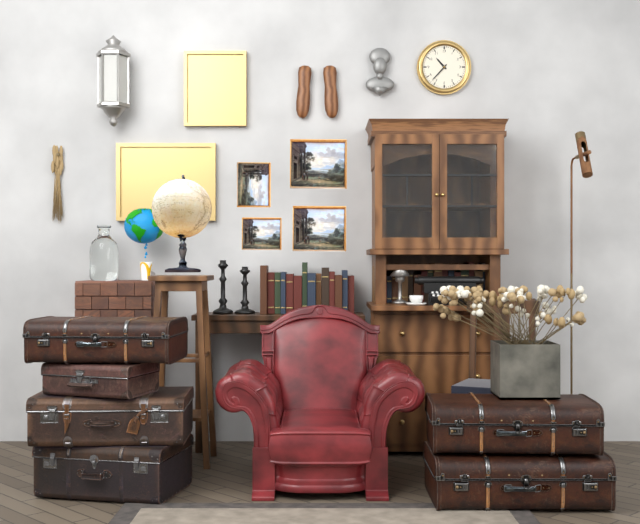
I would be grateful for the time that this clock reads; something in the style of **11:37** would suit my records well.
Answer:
**10:37**
